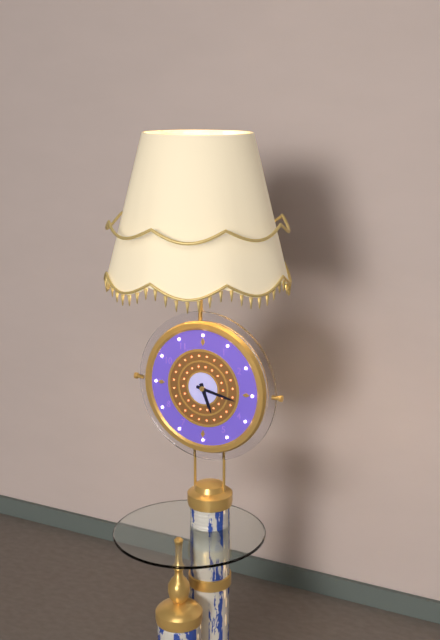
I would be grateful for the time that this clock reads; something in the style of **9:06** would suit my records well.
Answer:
**5:17**
